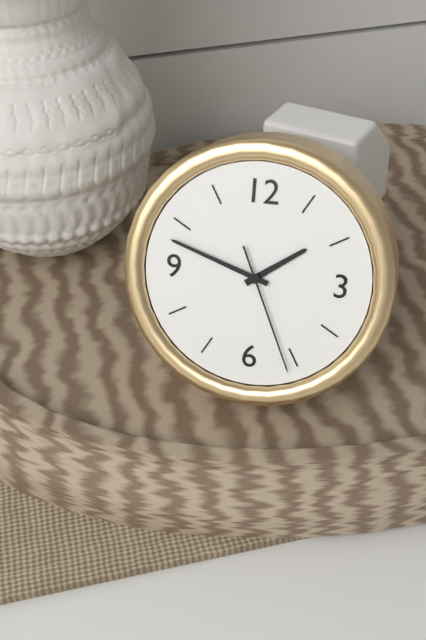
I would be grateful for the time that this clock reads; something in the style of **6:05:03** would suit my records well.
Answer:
**1:48:26**
